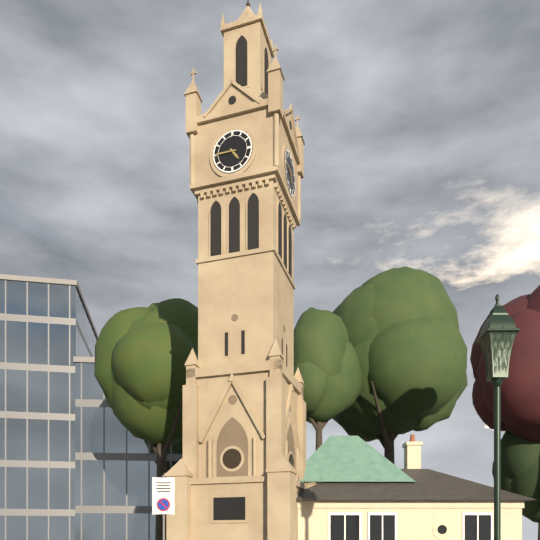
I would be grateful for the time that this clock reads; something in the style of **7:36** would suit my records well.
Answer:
**4:45**
